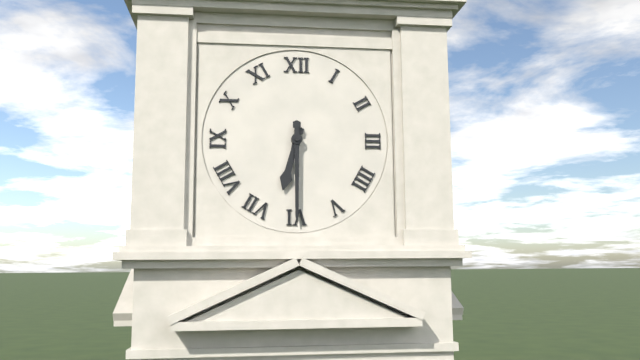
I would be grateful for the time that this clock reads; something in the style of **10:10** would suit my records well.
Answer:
**6:30**
